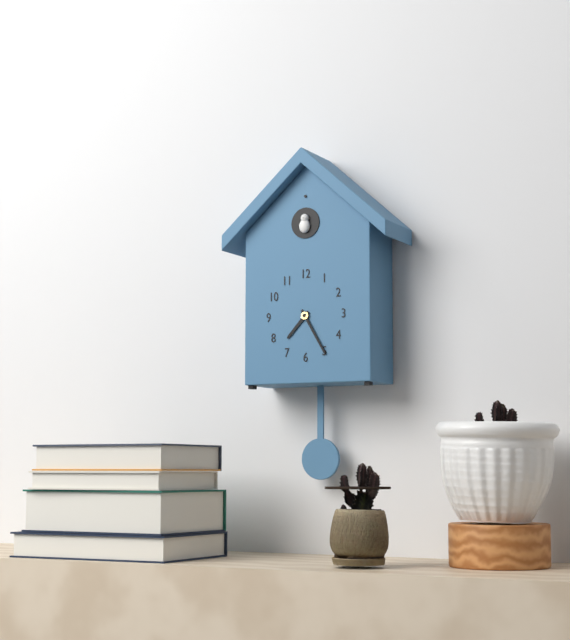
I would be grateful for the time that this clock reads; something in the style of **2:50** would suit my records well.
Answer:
**7:25**
